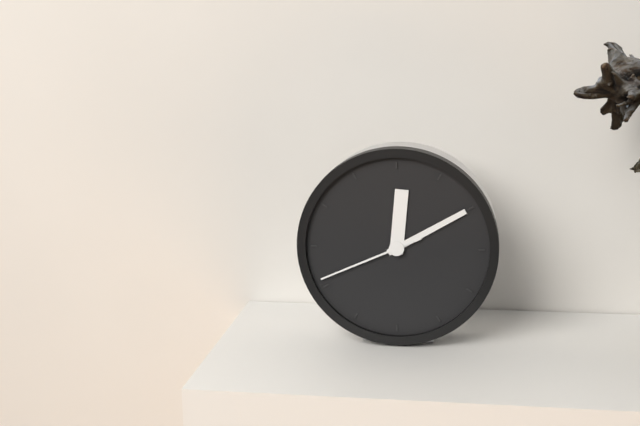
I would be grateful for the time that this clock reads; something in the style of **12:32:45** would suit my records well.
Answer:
**12:10:41**
